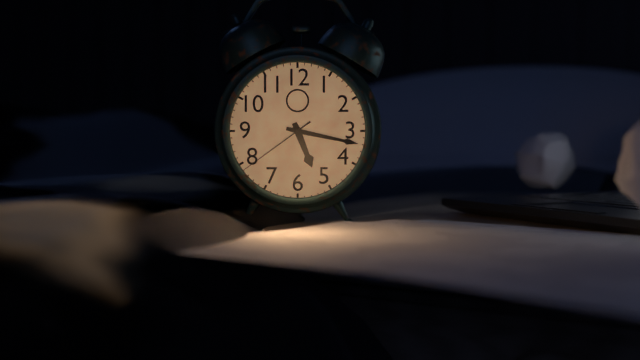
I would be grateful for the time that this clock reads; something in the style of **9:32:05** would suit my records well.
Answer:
**5:17:39**
